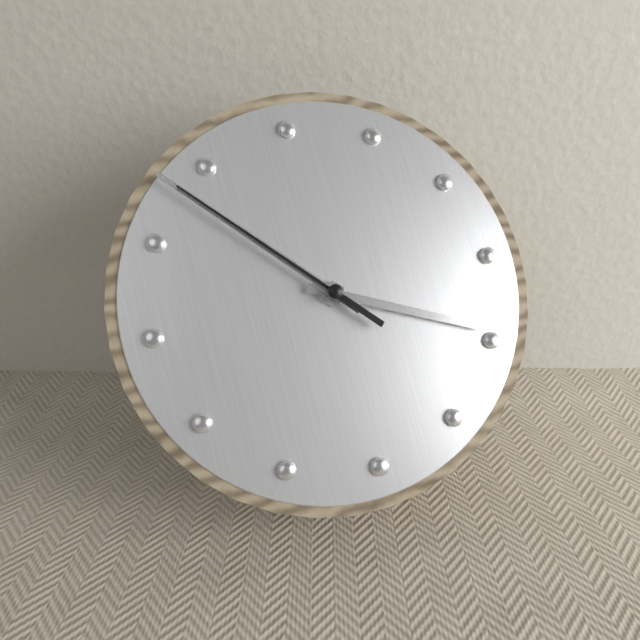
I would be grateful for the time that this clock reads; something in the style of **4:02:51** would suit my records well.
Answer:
**3:53:53**
